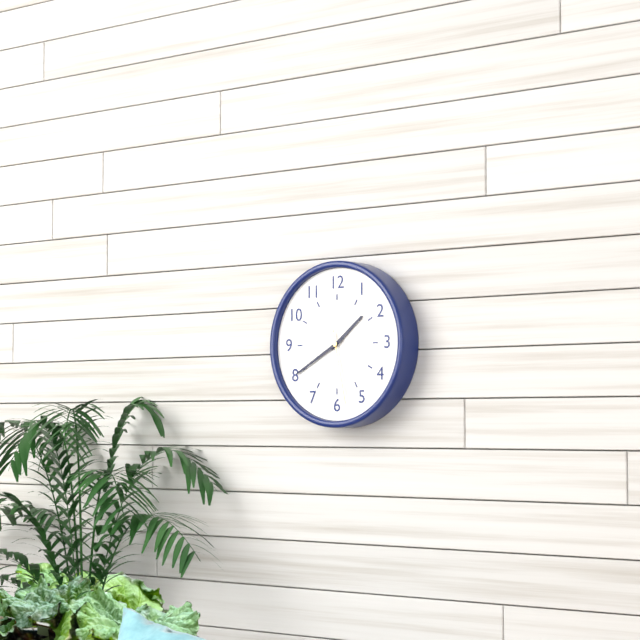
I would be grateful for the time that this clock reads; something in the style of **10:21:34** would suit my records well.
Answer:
**1:40:28**
